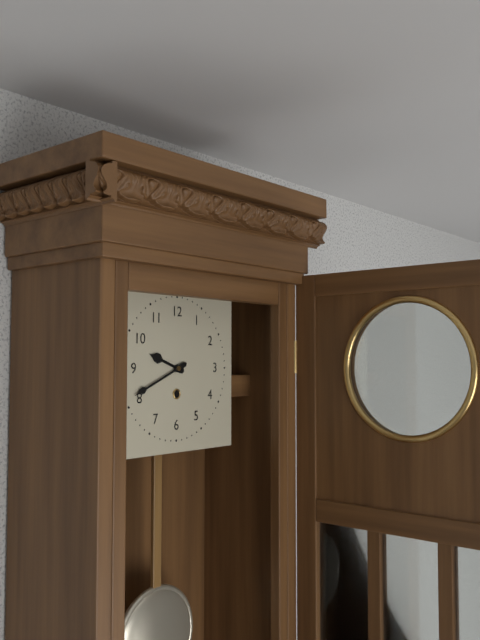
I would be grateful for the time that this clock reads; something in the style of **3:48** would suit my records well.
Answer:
**9:41**
